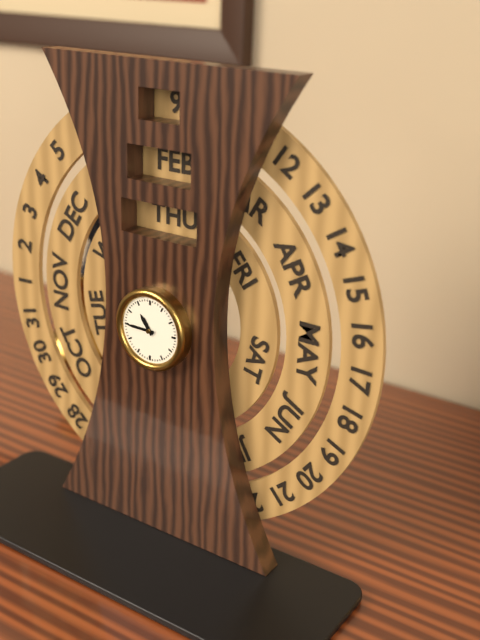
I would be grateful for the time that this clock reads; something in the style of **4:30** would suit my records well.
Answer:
**10:45**
